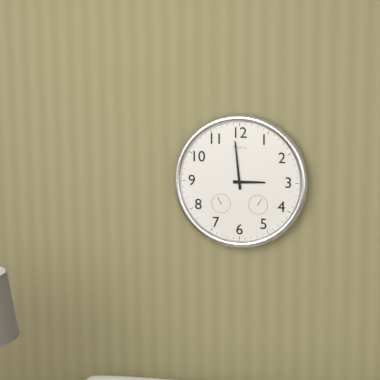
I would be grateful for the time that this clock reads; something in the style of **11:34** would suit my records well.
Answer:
**2:59**
